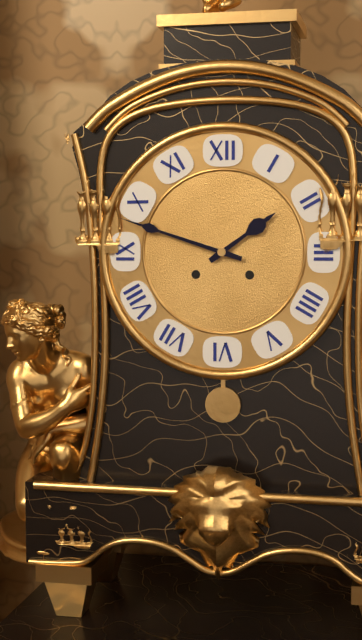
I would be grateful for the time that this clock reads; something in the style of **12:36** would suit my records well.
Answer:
**1:48**
